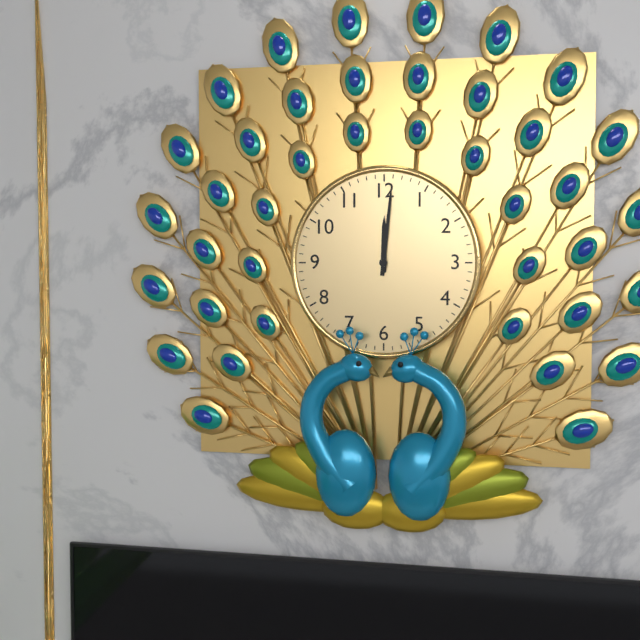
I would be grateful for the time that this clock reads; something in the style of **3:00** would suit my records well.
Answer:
**12:01**
